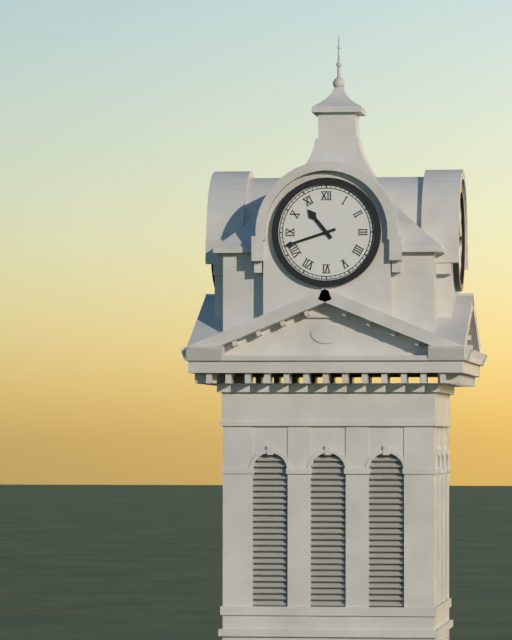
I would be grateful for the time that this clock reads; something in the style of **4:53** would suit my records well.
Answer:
**10:42**
